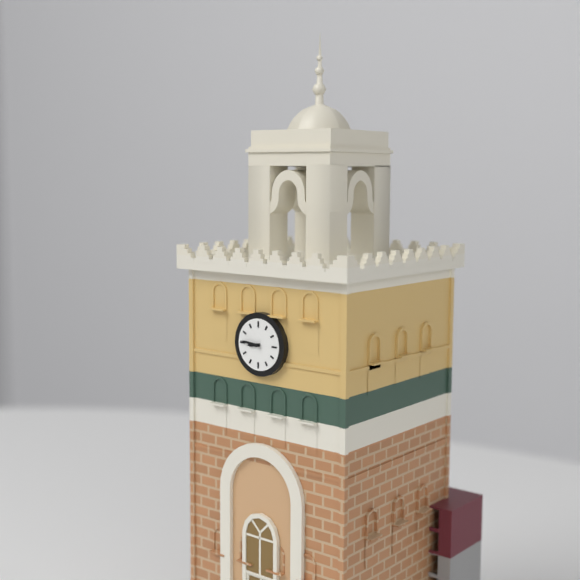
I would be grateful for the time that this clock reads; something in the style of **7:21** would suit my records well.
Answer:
**8:46**
